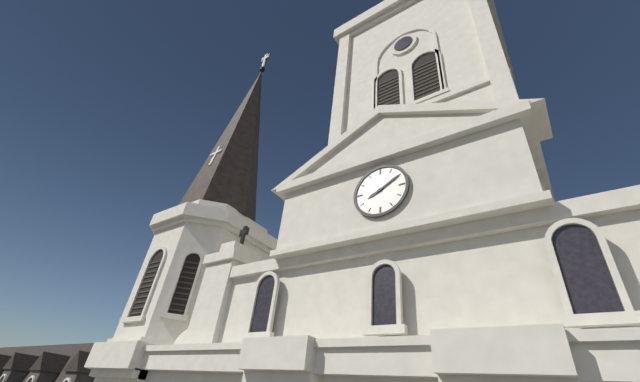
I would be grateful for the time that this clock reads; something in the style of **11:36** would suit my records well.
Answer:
**8:10**
